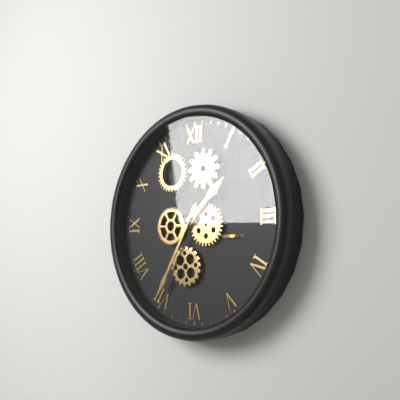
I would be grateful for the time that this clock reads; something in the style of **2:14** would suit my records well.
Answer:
**1:35**
